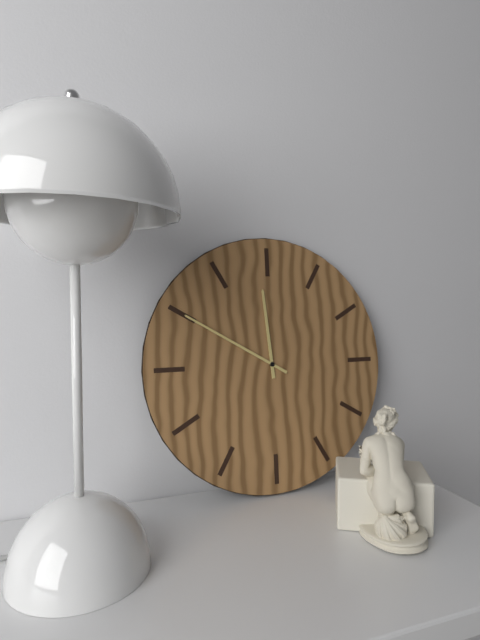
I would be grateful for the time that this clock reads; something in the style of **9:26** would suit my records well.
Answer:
**11:50**
